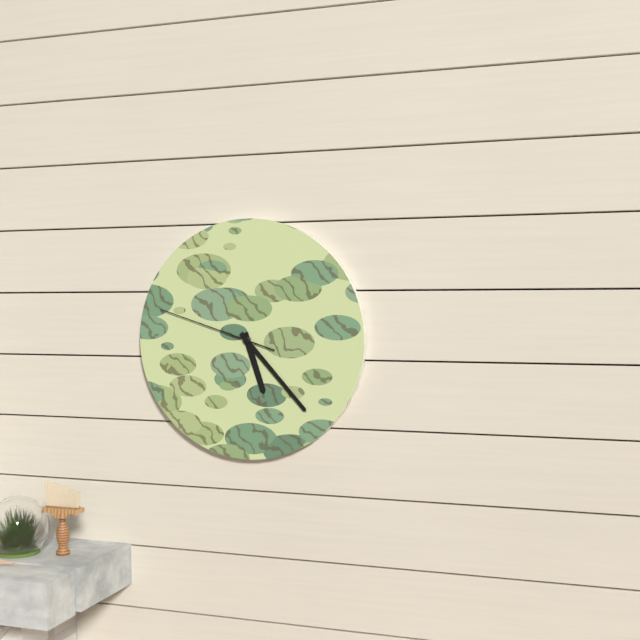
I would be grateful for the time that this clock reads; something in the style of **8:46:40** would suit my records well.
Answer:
**5:23:48**
